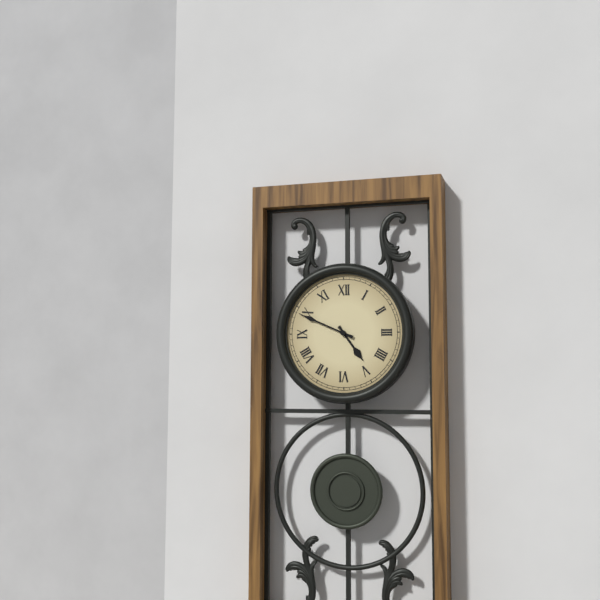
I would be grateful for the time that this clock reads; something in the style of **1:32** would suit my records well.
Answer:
**4:49**
